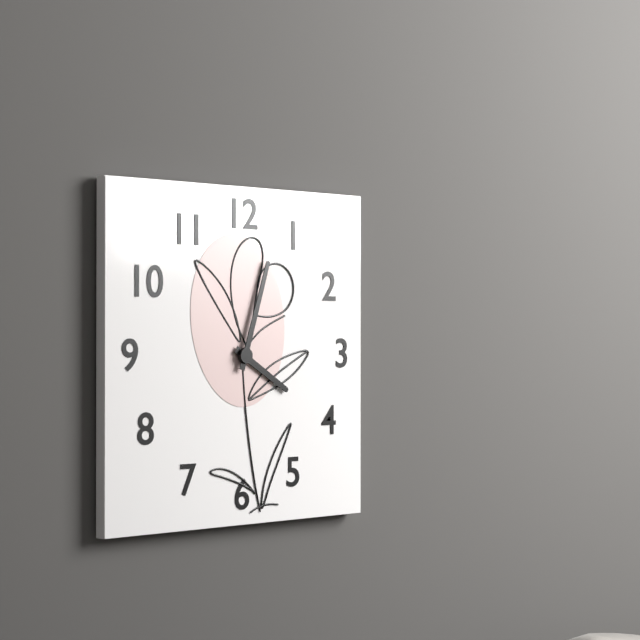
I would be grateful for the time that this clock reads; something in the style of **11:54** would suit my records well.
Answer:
**4:03**
